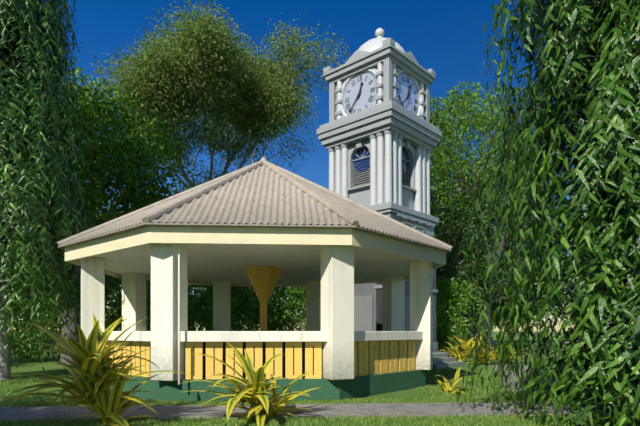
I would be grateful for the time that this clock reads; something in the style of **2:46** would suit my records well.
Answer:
**12:37**
